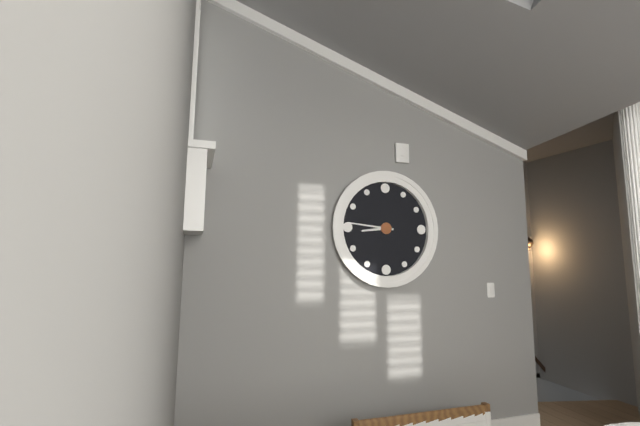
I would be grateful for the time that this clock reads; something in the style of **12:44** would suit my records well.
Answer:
**8:46**
